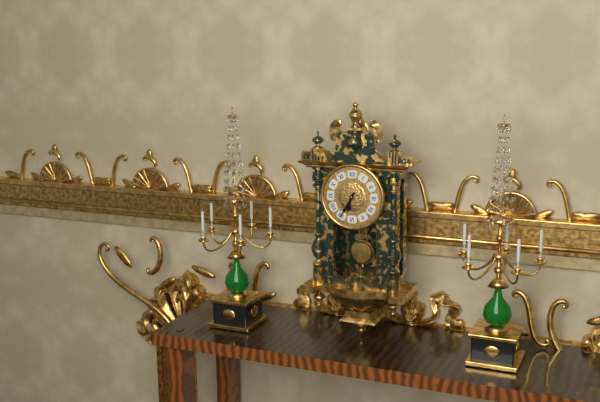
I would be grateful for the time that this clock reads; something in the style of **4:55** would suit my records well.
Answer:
**6:35**
